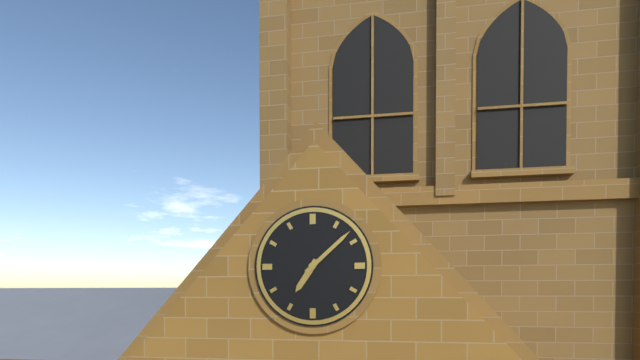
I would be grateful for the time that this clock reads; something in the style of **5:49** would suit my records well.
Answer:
**7:08**
